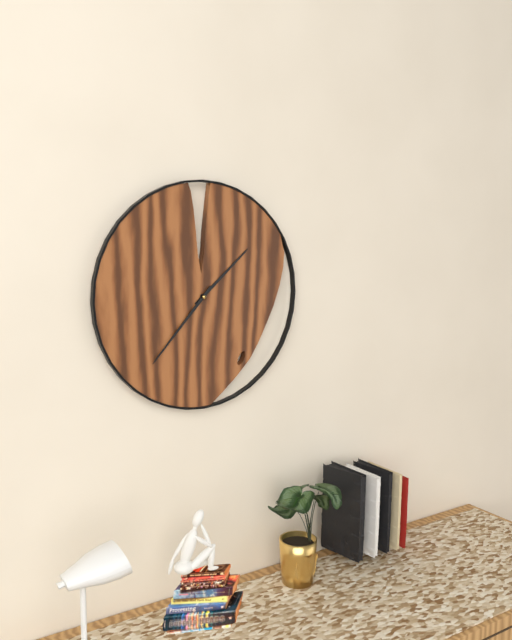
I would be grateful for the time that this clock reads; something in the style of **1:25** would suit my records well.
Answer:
**1:37**
